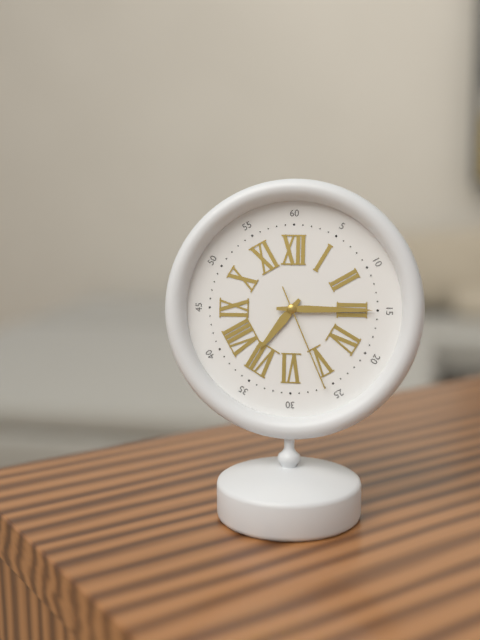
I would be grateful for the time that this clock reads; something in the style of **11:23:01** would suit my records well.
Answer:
**7:15:26**
